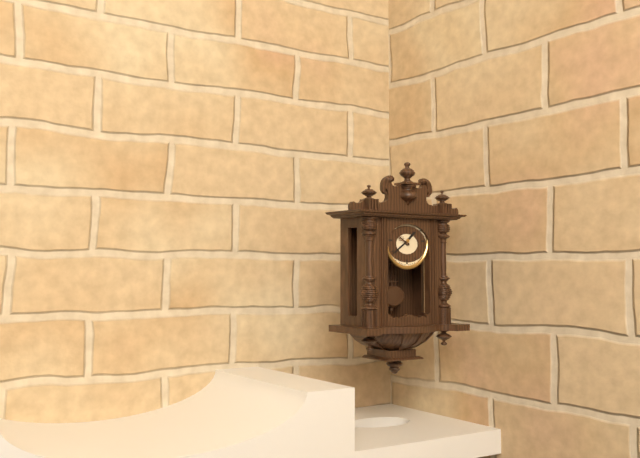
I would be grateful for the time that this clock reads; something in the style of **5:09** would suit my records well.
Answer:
**1:39**
